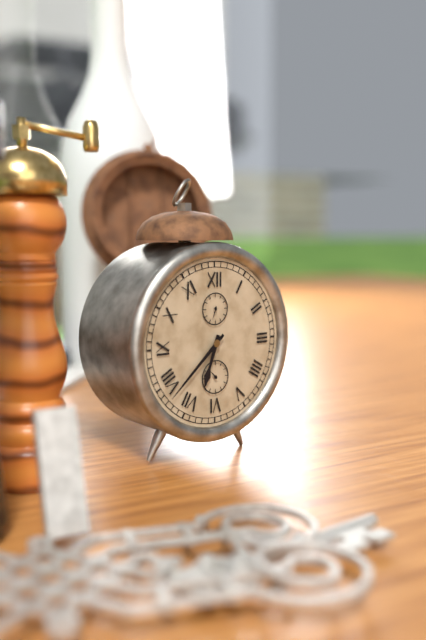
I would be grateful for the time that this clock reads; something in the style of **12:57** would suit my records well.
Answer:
**6:38**
